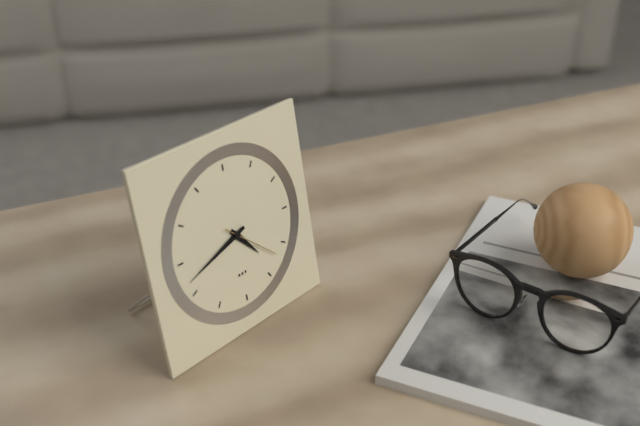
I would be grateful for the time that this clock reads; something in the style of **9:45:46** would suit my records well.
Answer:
**4:42:22**
